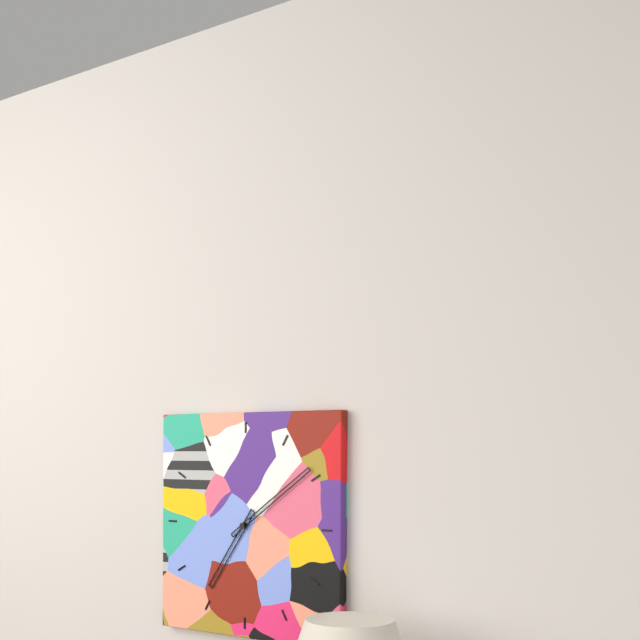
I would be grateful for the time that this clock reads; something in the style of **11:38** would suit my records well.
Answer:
**7:09**
